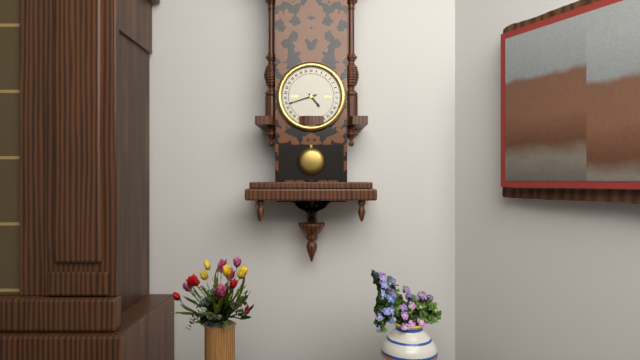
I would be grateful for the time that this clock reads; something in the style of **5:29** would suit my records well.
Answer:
**4:42**
